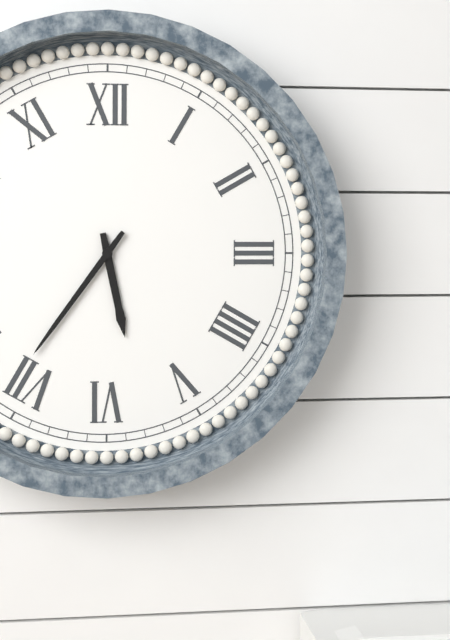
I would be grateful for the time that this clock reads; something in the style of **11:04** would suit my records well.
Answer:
**5:36**
